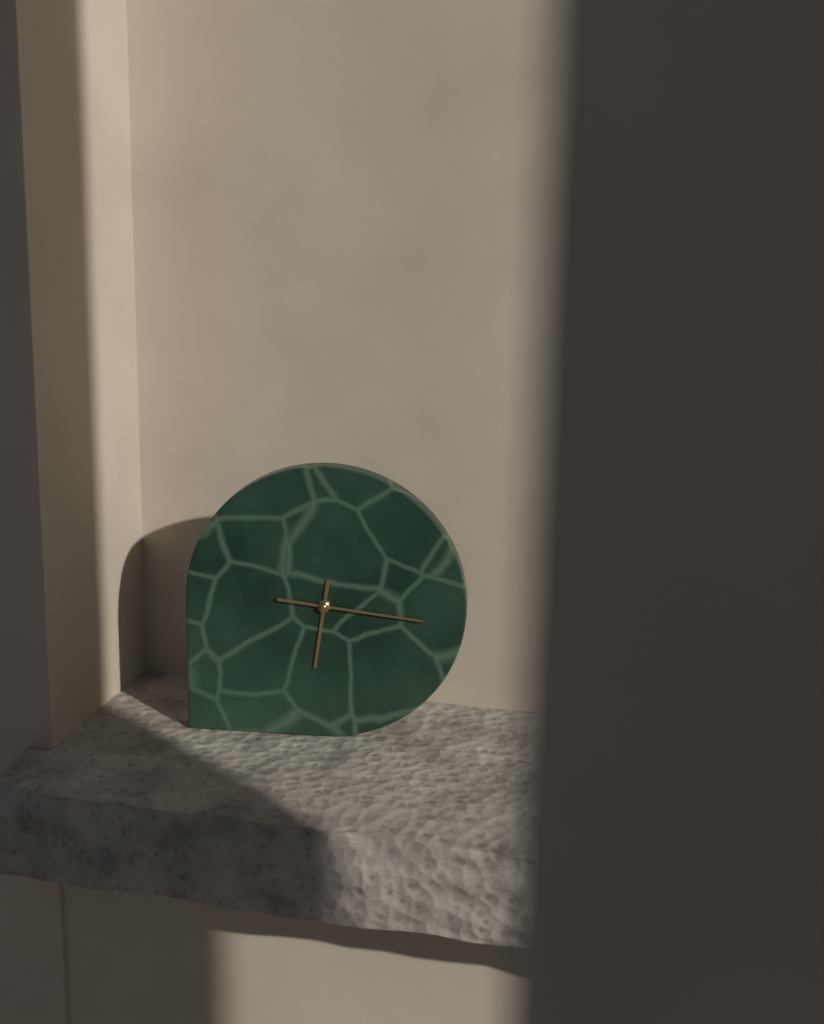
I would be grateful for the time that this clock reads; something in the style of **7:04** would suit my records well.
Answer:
**6:16**
